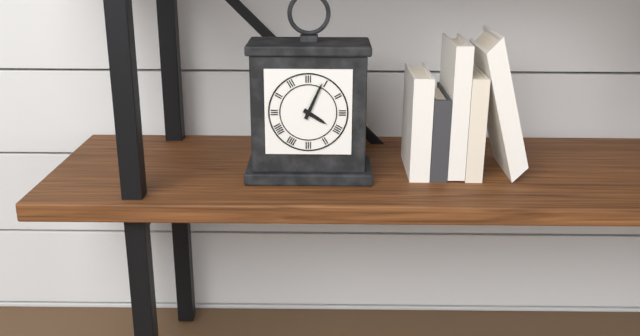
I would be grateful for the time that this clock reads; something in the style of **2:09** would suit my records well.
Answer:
**4:04**
